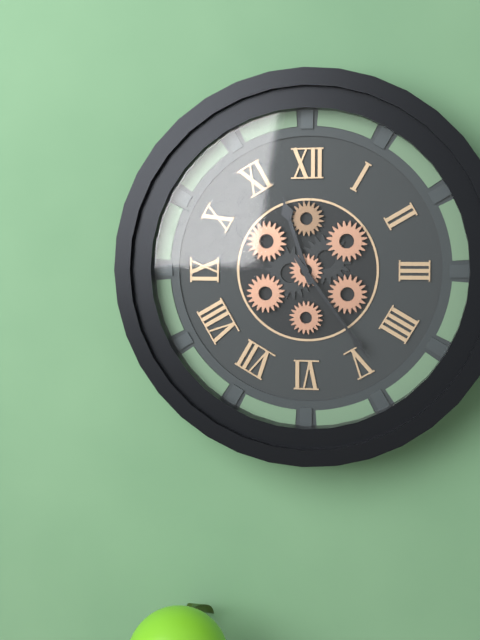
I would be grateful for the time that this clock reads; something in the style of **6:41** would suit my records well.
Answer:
**11:24**
